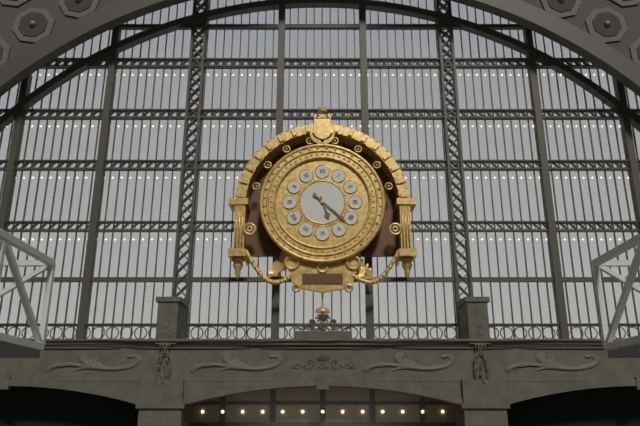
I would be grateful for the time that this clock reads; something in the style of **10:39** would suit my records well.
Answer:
**5:22**
